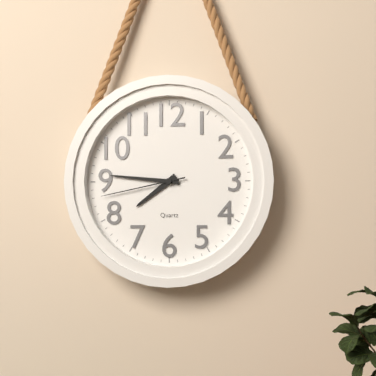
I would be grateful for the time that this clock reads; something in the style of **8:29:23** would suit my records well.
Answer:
**7:46:43**
